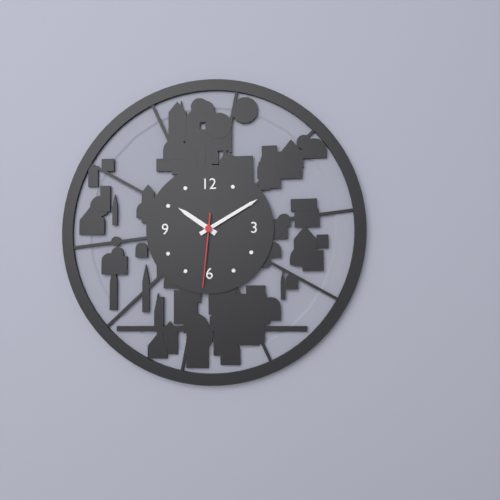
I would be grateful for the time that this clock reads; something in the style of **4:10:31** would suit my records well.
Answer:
**10:10:31**
